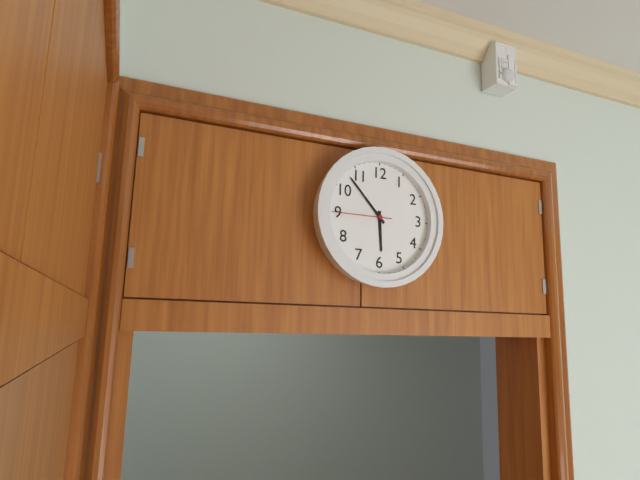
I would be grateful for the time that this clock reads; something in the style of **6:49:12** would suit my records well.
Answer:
**5:53:45**
